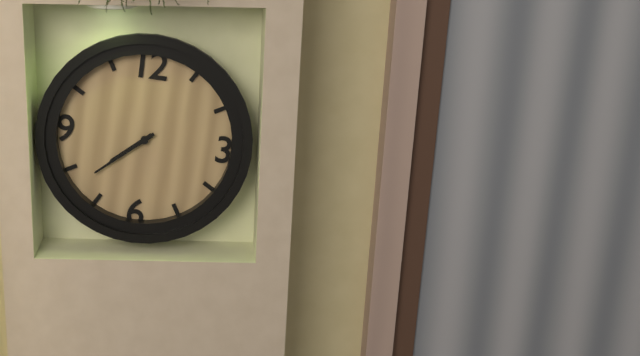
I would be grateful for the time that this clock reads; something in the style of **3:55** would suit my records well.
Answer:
**7:38**
